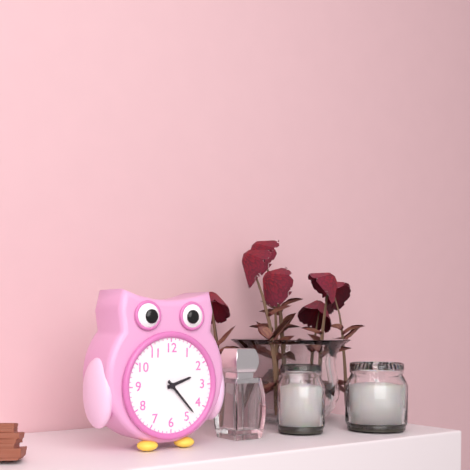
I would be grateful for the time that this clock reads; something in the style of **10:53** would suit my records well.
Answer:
**2:23**
